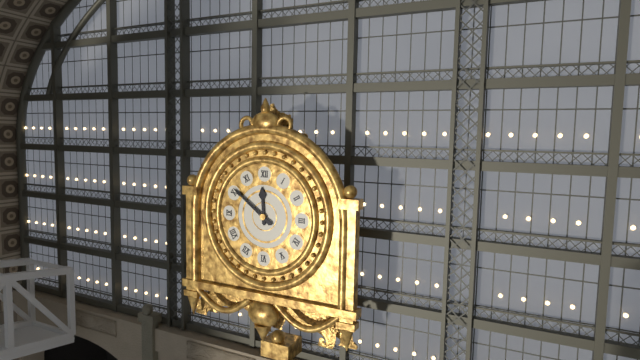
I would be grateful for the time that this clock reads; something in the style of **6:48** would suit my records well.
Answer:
**11:51**
